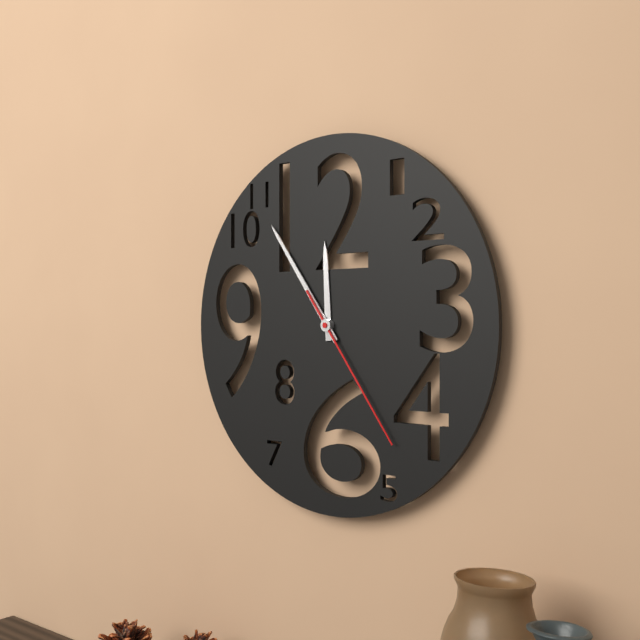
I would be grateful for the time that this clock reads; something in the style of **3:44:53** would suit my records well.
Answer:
**11:54:24**
